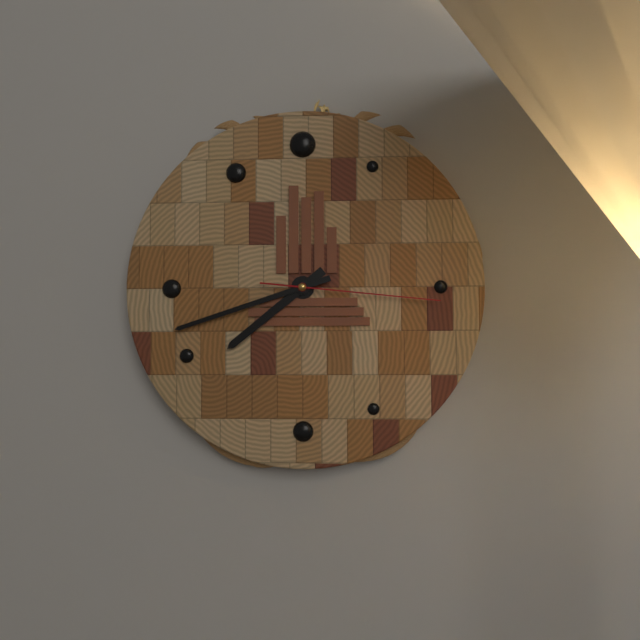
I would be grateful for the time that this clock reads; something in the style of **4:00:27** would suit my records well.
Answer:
**7:42:16**
